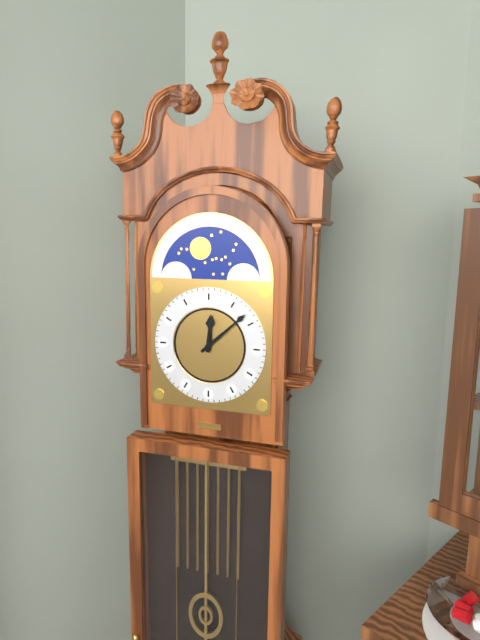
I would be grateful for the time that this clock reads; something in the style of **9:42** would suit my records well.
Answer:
**12:08**
